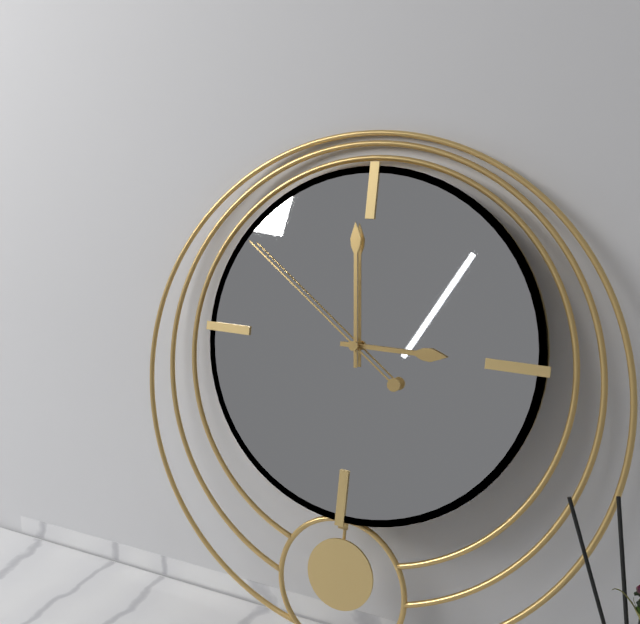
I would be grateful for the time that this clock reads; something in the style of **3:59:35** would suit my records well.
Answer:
**2:59:51**
